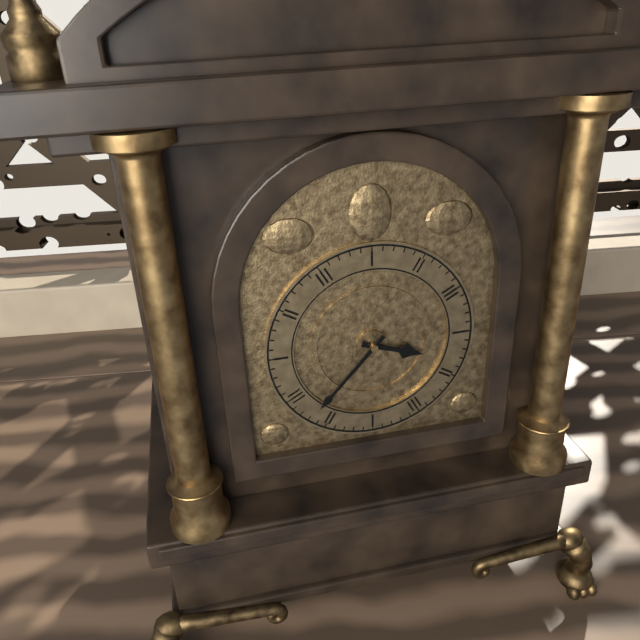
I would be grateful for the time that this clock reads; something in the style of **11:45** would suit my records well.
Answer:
**3:37**
